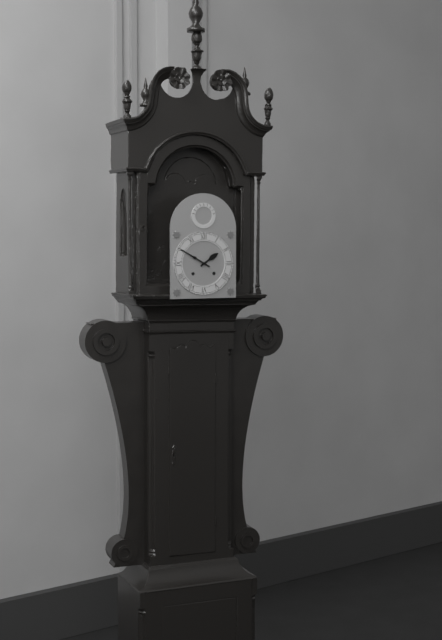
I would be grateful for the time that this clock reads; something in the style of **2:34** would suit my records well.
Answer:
**1:50**
